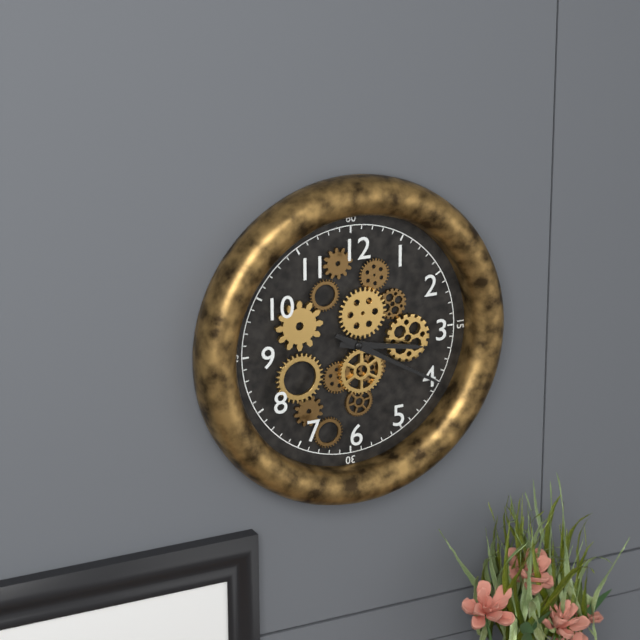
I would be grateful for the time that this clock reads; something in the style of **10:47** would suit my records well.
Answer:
**3:20**
